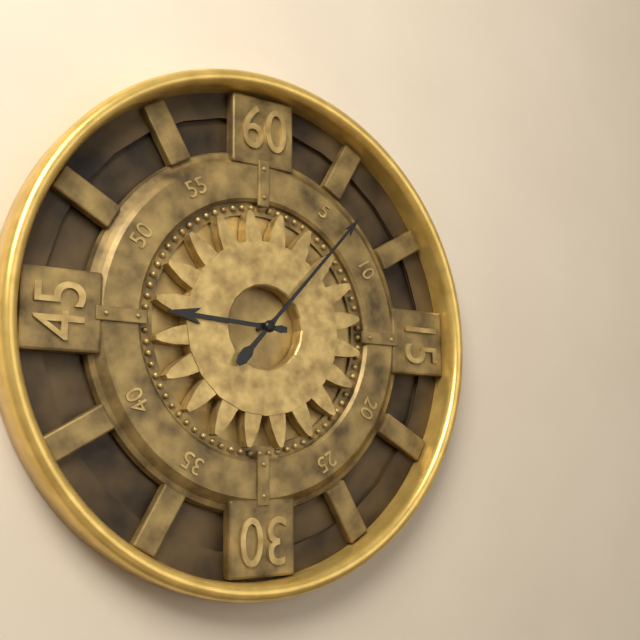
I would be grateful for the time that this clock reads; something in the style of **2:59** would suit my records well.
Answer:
**9:07**
